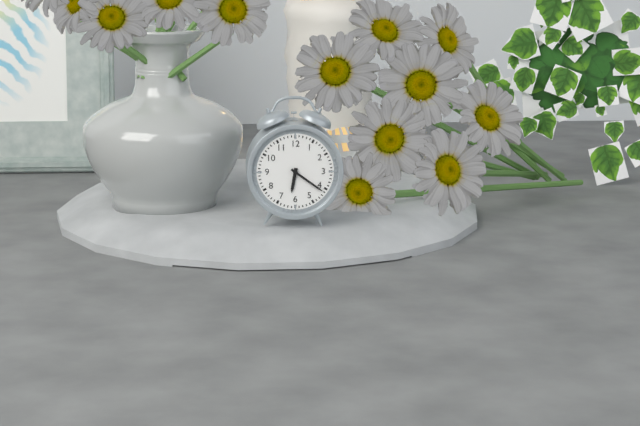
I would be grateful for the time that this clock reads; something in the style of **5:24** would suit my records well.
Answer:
**6:21**
